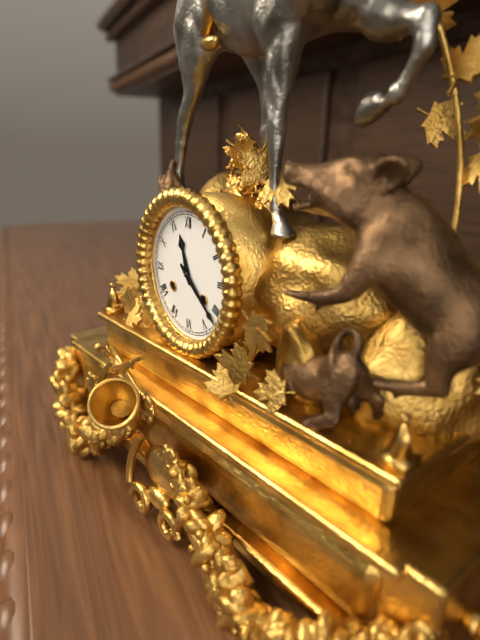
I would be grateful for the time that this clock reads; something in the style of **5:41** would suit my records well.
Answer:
**11:22**
